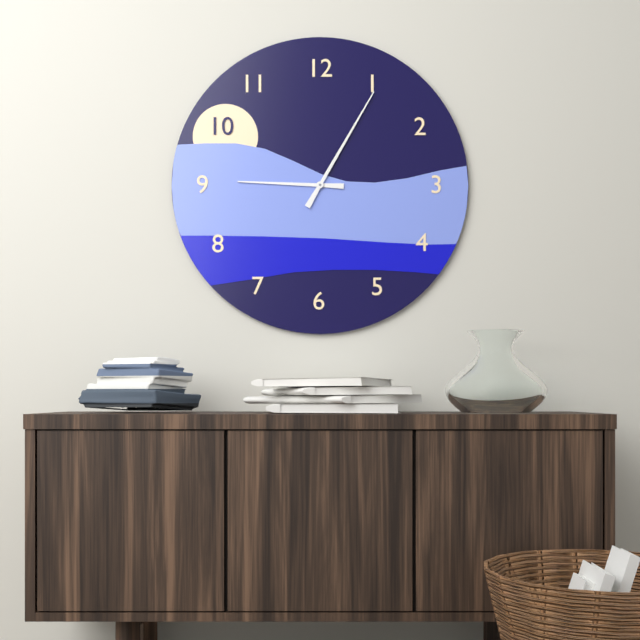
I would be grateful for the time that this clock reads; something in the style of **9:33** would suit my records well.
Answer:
**9:05**
